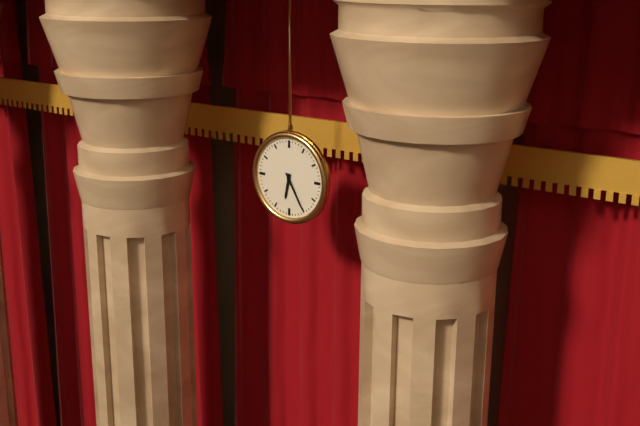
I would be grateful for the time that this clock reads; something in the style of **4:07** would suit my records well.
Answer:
**6:25**
